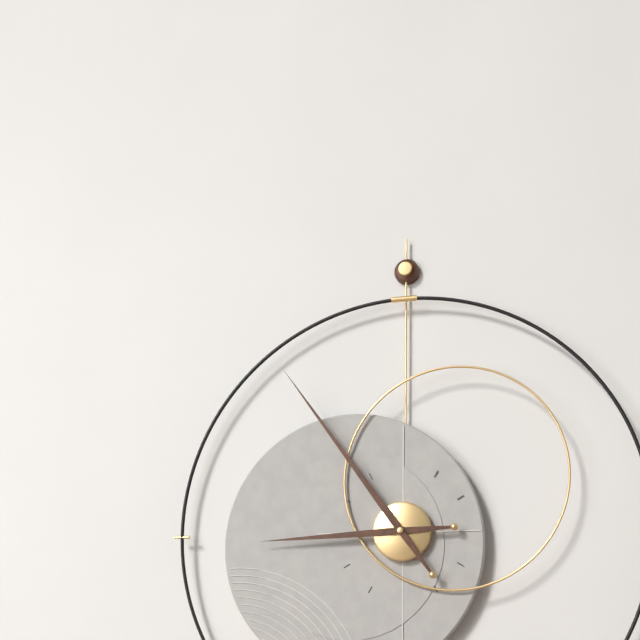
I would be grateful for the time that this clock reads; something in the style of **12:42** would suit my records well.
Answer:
**8:54**
